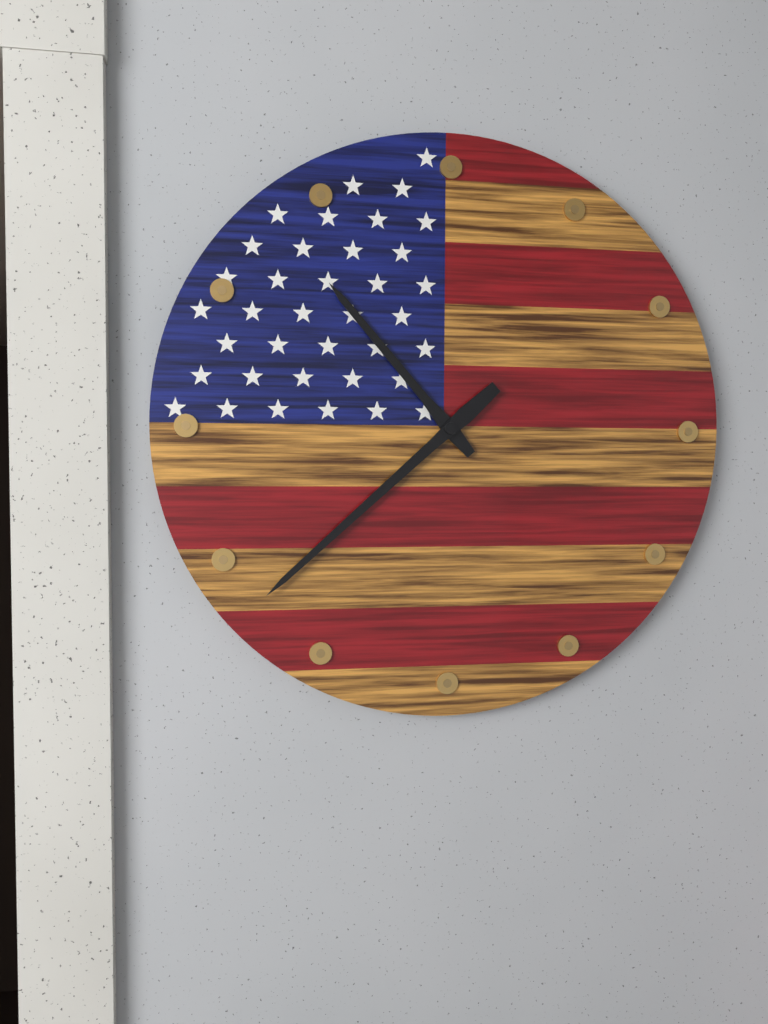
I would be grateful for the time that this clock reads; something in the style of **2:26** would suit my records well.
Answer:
**10:38**
